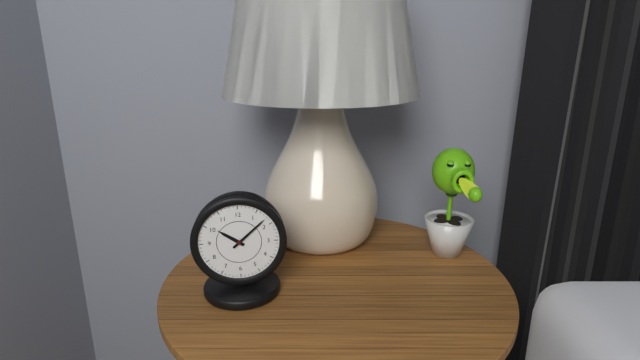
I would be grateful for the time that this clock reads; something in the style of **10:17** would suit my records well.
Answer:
**10:08**
